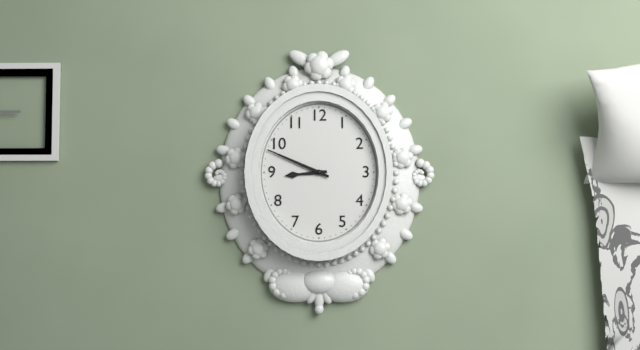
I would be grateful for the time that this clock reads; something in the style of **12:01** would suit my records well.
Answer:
**8:49**
